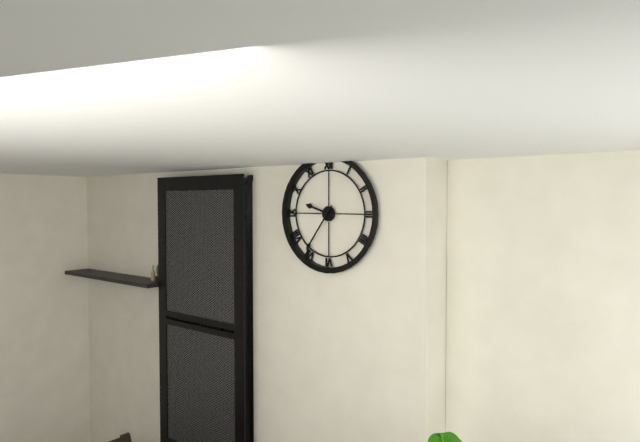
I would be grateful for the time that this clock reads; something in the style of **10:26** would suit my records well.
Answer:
**9:36**
